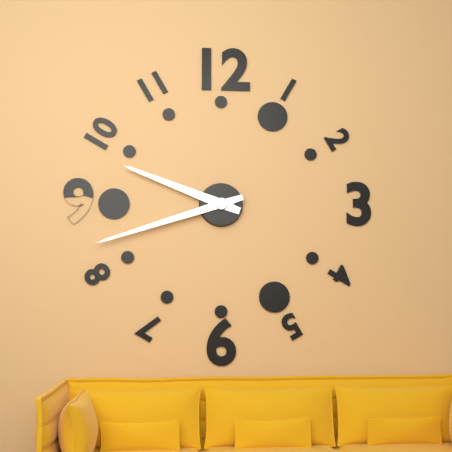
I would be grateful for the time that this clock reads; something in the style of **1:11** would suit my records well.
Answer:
**9:42**
